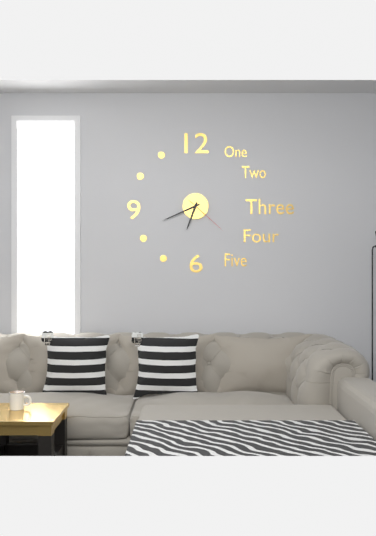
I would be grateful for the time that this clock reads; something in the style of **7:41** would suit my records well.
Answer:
**6:41**
